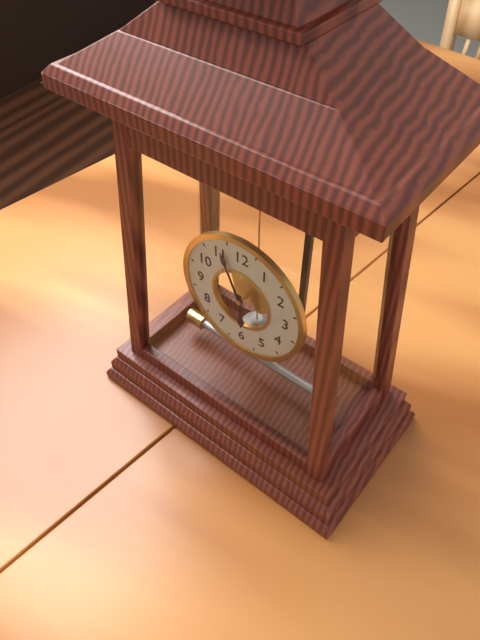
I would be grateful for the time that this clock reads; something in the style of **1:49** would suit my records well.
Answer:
**5:56**
